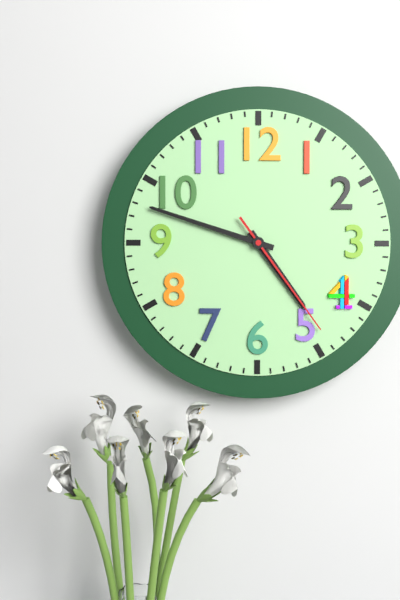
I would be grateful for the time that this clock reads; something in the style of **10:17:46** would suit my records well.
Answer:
**4:48:24**
